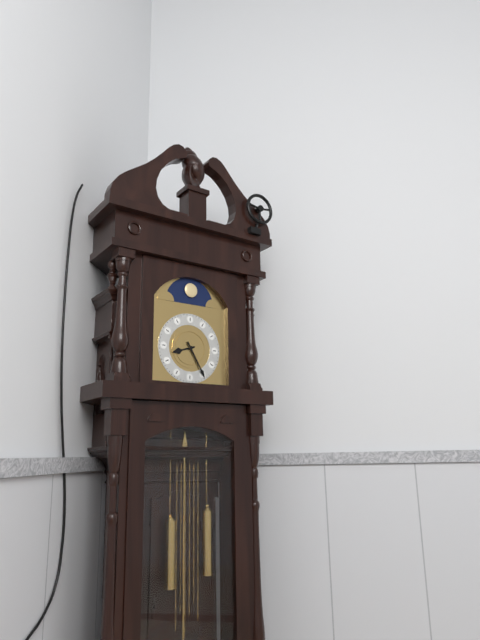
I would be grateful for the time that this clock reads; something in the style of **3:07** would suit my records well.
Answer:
**8:25**
